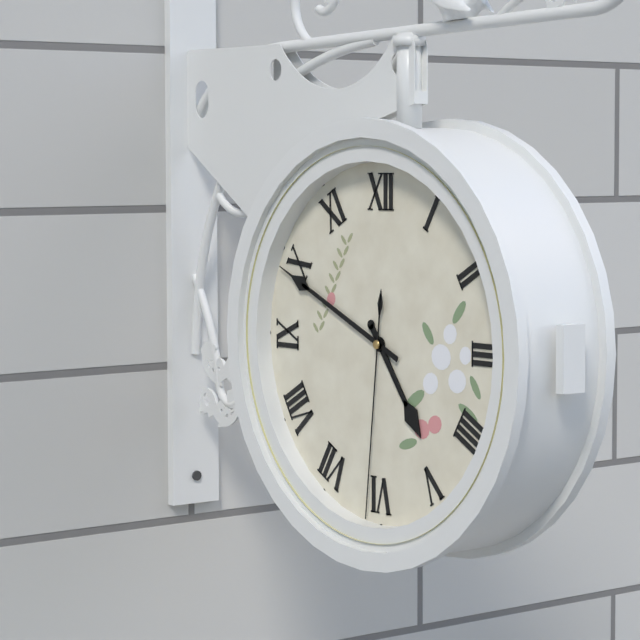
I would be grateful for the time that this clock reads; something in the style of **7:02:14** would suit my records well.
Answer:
**4:49:31**
